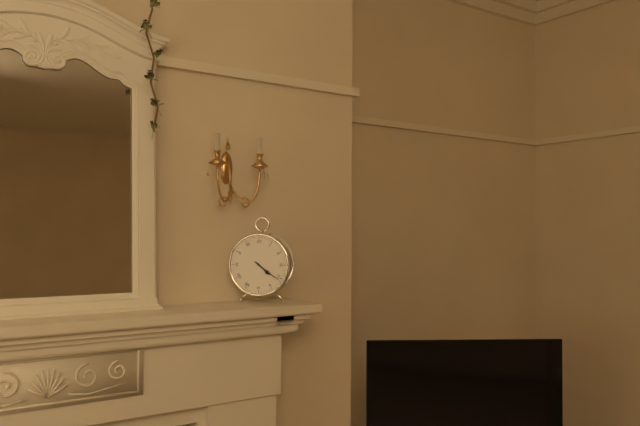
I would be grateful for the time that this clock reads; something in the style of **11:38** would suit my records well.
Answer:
**4:21**
